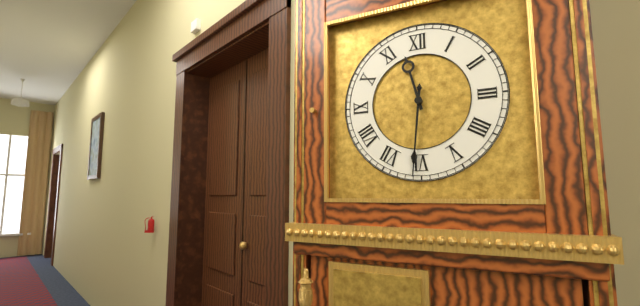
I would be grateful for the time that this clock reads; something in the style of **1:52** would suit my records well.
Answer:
**11:31**
